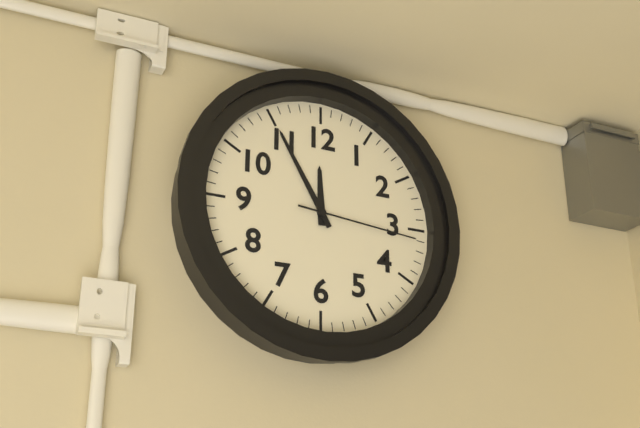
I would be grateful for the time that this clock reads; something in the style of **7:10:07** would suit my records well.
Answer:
**11:55:16**
